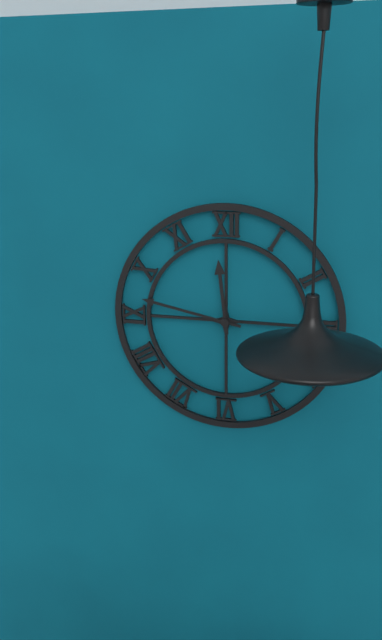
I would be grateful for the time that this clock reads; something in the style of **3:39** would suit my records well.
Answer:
**11:47**
